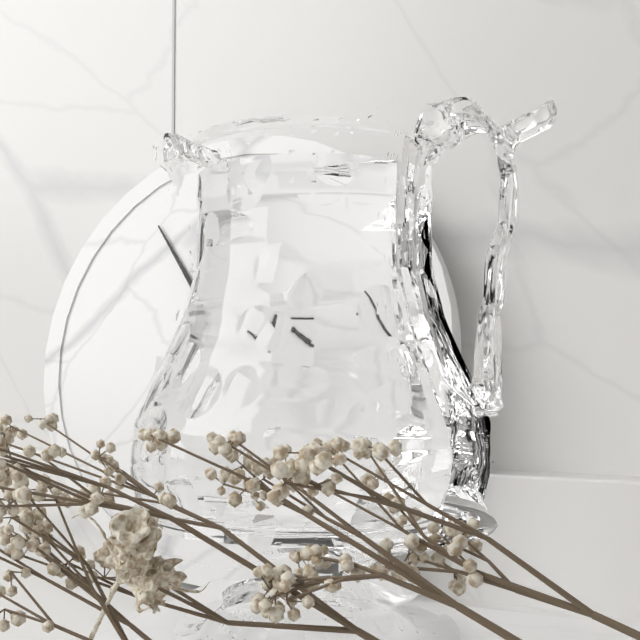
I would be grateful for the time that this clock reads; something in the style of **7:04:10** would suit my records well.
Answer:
**3:54:59**
